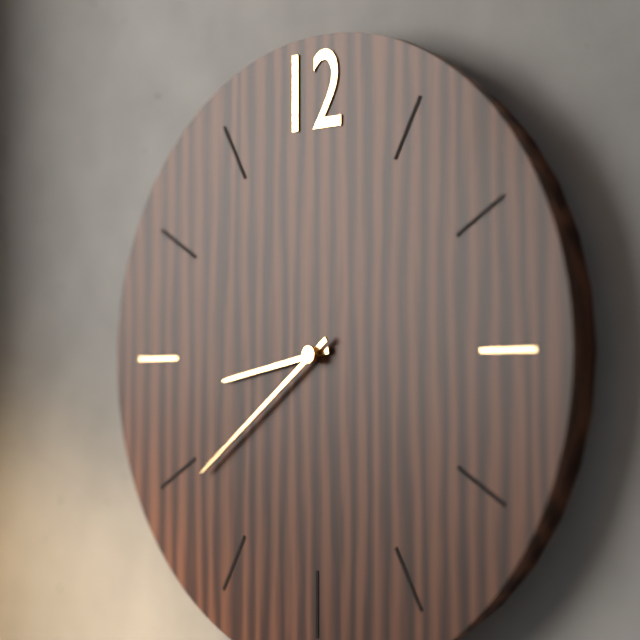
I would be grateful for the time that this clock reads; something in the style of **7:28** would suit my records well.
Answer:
**8:39**
